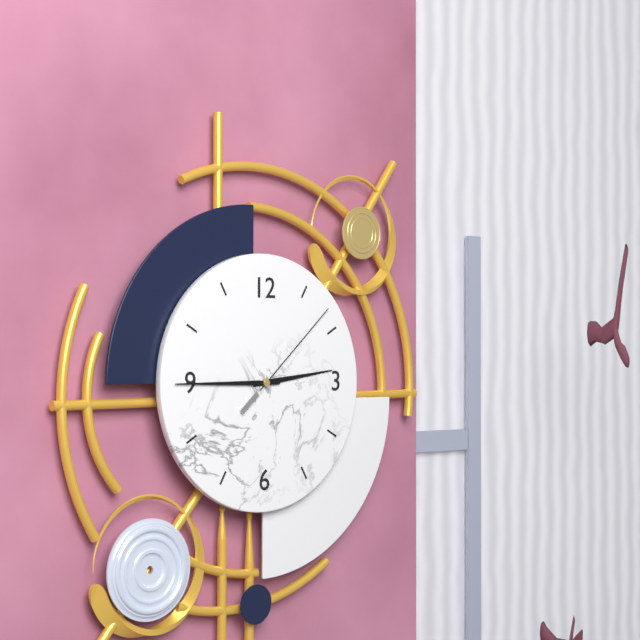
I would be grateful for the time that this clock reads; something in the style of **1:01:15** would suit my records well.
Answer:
**2:45:08**
